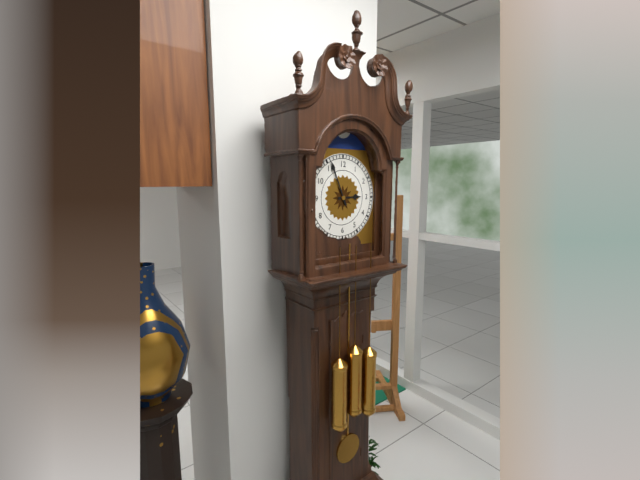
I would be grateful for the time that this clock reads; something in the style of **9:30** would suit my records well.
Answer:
**2:56**
